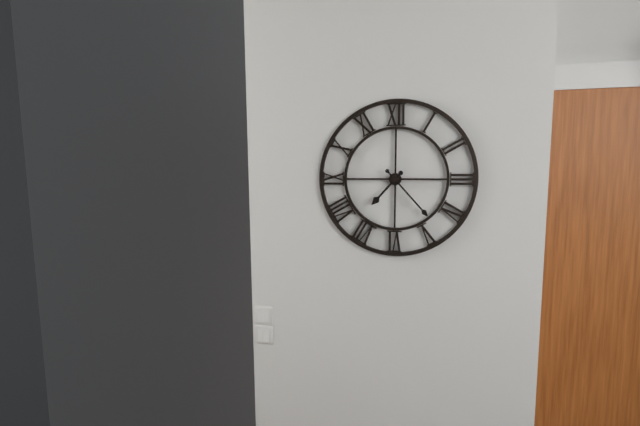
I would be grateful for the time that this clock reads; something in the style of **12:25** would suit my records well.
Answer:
**7:23**
